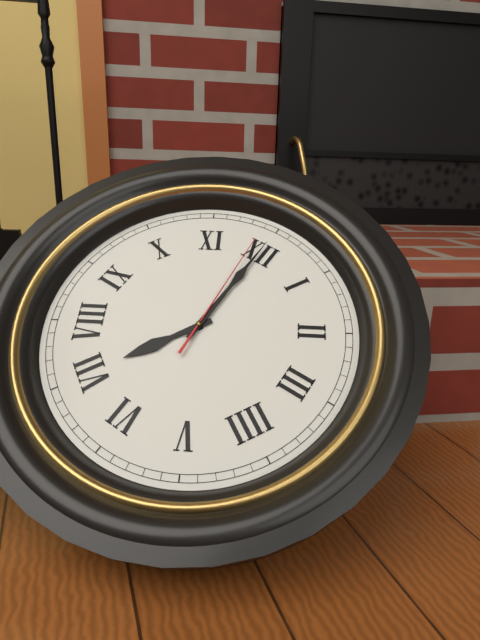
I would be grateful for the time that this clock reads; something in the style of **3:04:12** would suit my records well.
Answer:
**7:00:59**
